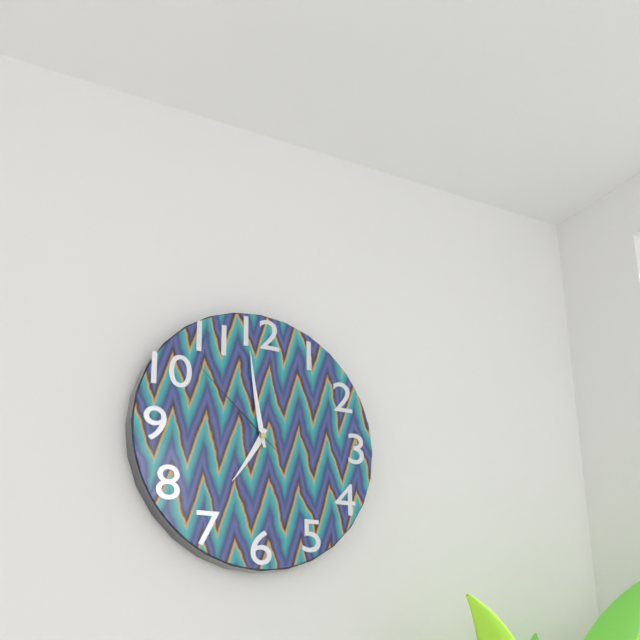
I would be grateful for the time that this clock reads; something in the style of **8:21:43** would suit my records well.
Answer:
**6:58:52**
